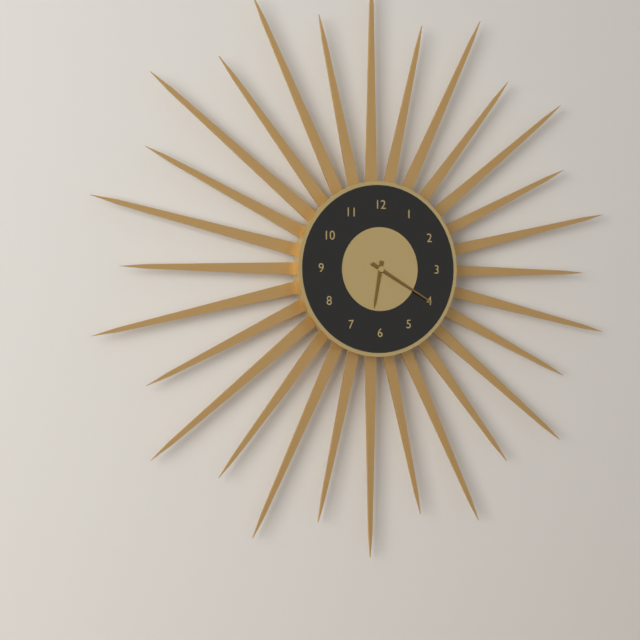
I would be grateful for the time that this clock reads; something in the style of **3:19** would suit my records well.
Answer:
**6:20**
